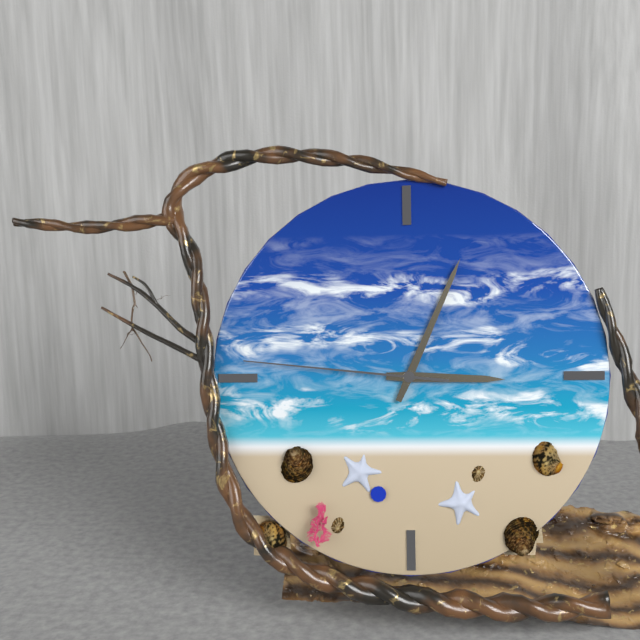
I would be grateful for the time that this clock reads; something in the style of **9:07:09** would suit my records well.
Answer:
**3:04:46**
